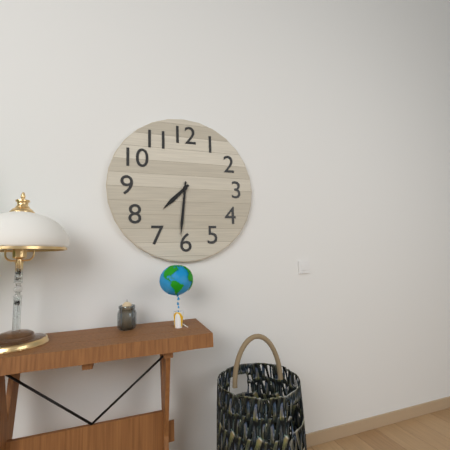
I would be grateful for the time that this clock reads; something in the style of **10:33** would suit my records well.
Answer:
**7:31**
